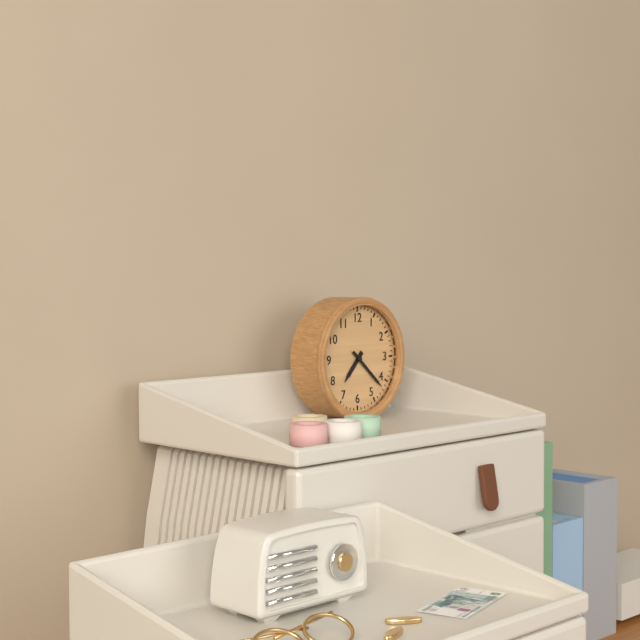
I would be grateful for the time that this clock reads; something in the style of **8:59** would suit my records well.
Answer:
**7:22**
